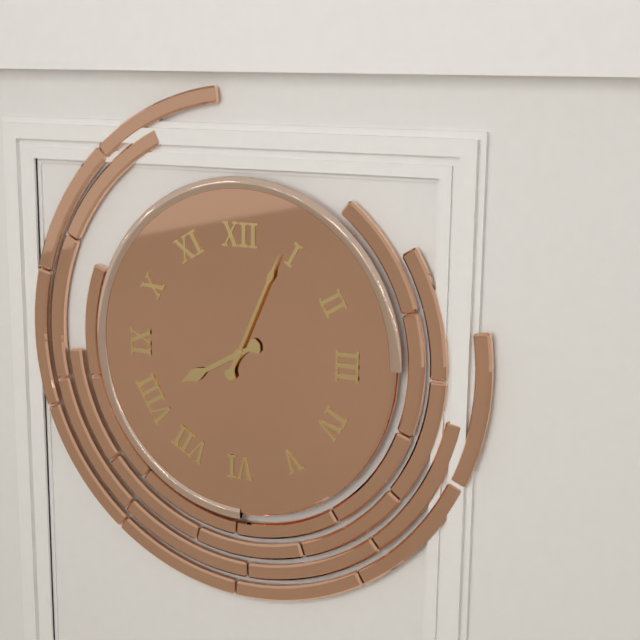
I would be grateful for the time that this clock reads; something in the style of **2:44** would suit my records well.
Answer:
**8:04**
